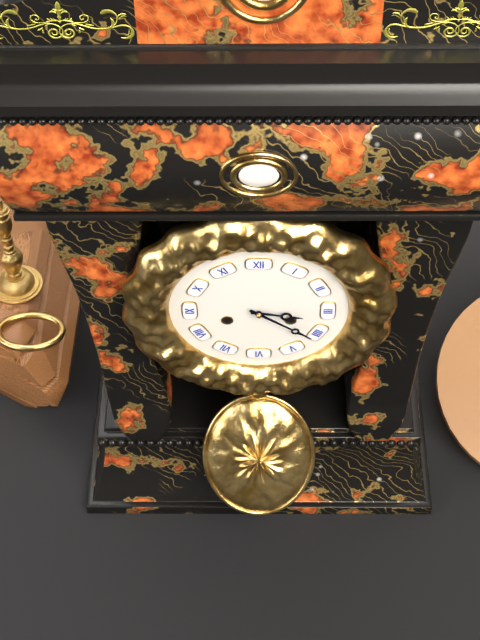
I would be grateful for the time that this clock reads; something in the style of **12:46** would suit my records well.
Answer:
**3:21**
